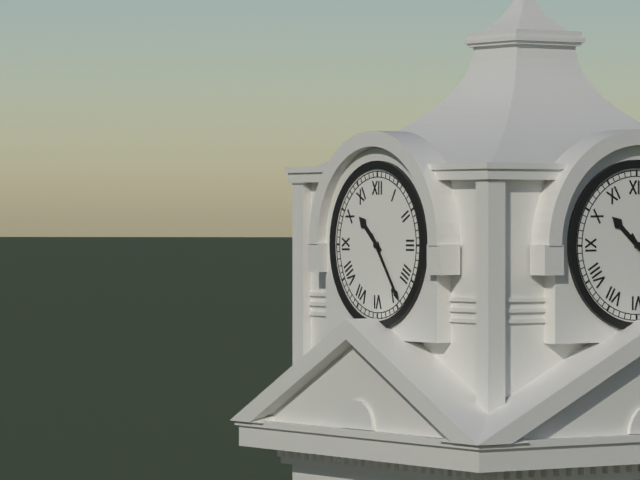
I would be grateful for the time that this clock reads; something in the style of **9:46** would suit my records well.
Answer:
**10:24**
